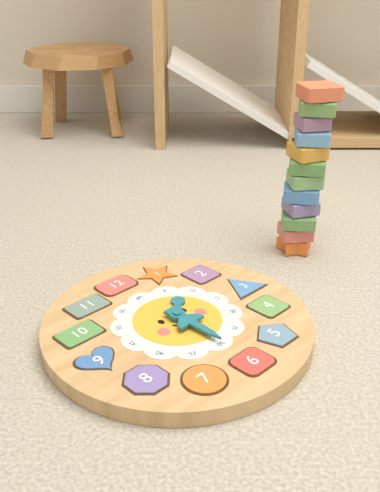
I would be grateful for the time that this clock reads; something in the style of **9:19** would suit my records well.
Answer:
**1:30**
